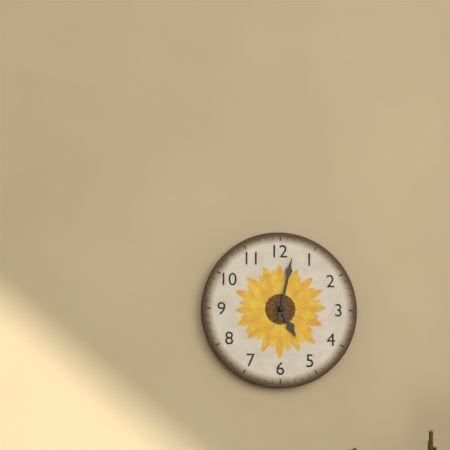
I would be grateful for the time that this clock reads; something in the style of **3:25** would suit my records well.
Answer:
**5:02**
